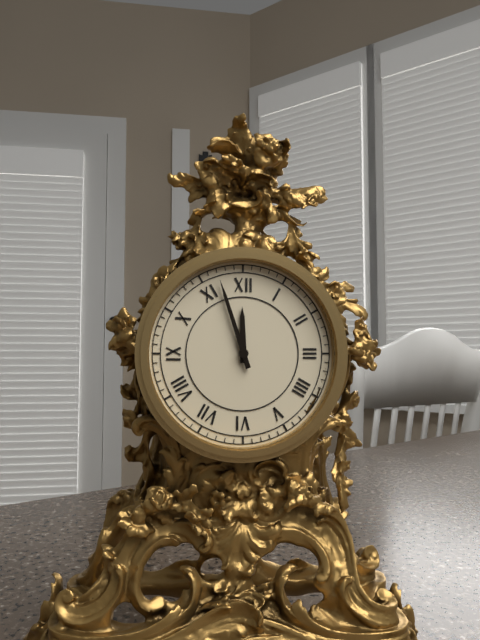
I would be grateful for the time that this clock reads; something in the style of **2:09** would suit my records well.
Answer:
**11:57**
